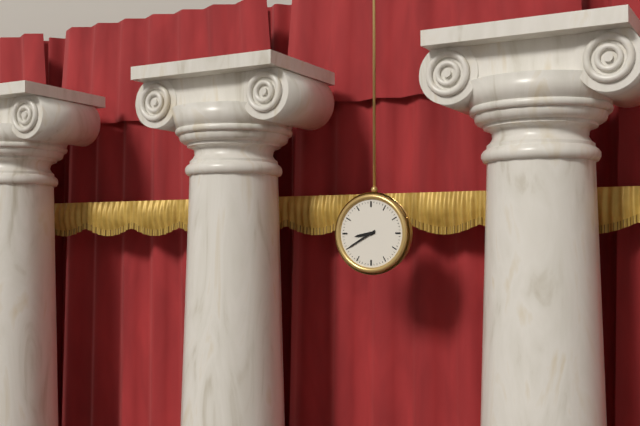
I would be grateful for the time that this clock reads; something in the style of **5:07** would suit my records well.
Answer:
**8:40**
